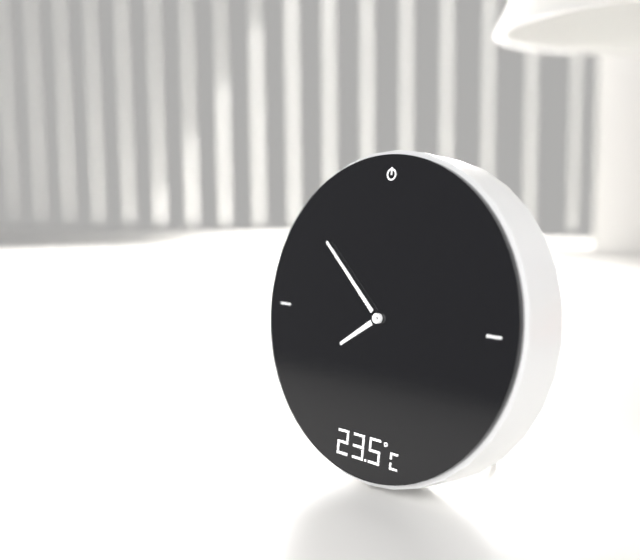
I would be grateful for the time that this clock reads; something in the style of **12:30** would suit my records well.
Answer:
**7:52**
